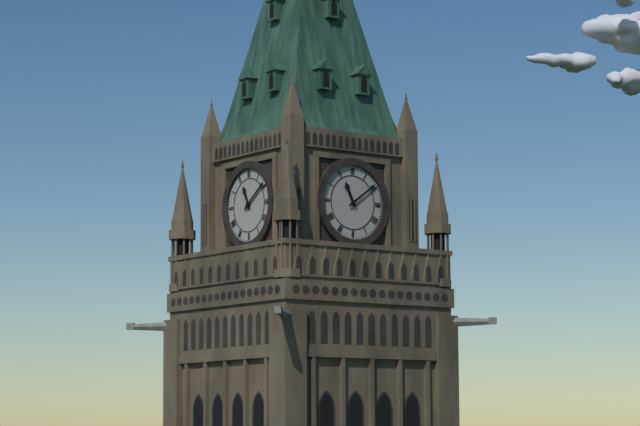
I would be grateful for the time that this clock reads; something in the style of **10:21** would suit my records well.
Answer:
**11:09**
